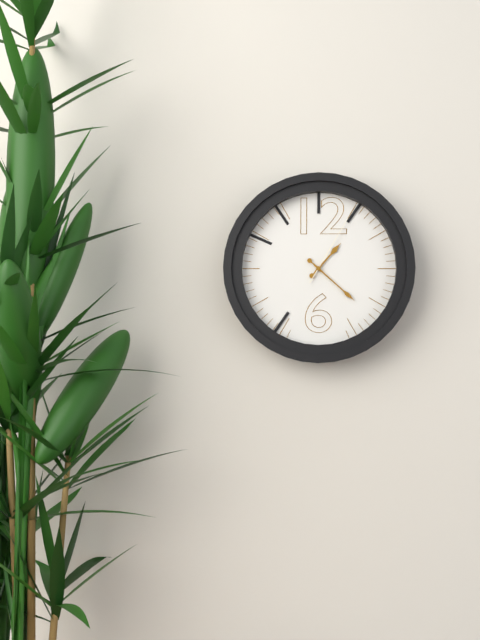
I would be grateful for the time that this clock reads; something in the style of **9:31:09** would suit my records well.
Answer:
**1:22:05**
